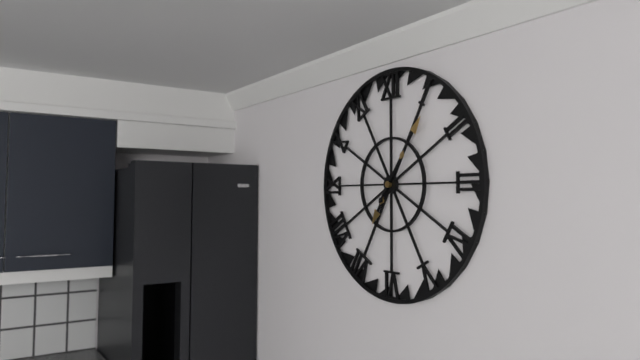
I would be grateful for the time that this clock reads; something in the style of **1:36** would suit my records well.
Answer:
**7:06**
